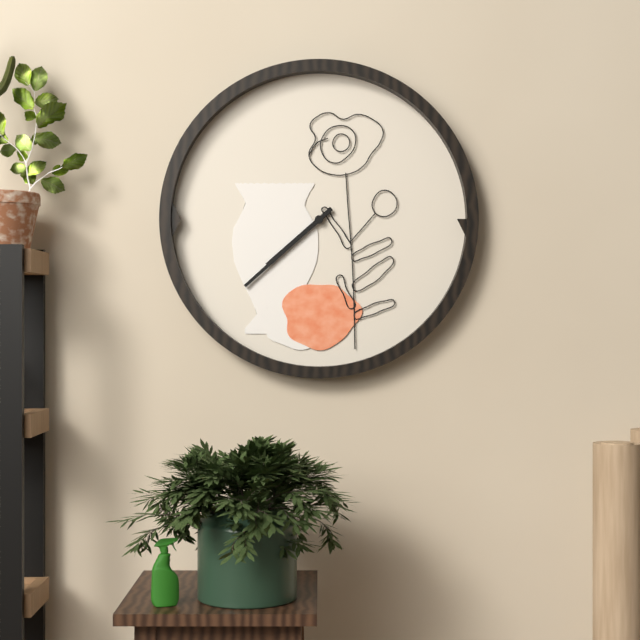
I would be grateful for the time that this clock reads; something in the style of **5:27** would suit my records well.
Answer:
**7:38**
